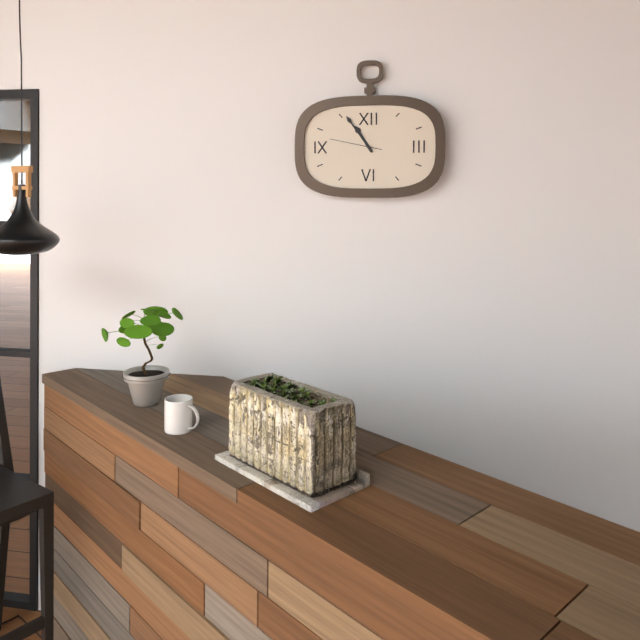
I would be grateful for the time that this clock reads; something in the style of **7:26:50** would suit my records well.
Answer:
**10:54:47**
